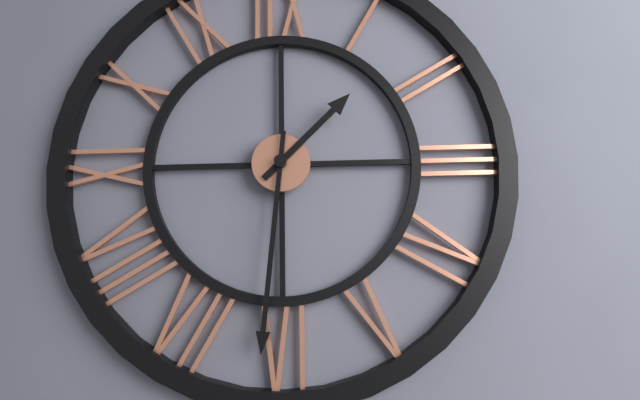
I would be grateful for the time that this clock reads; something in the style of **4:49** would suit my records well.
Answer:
**1:31**
